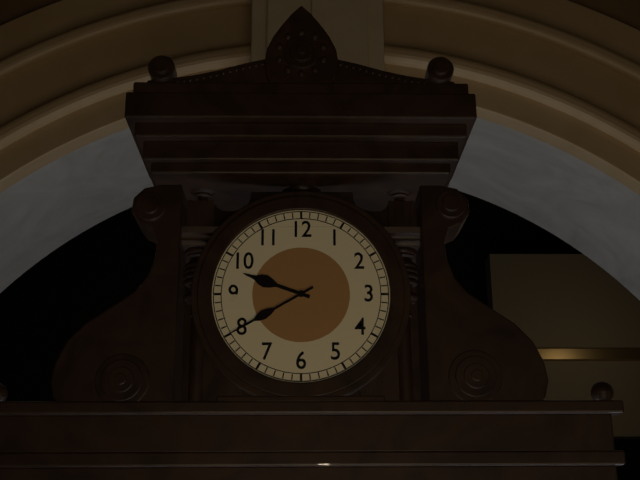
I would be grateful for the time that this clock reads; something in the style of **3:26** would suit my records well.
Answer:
**9:40**
